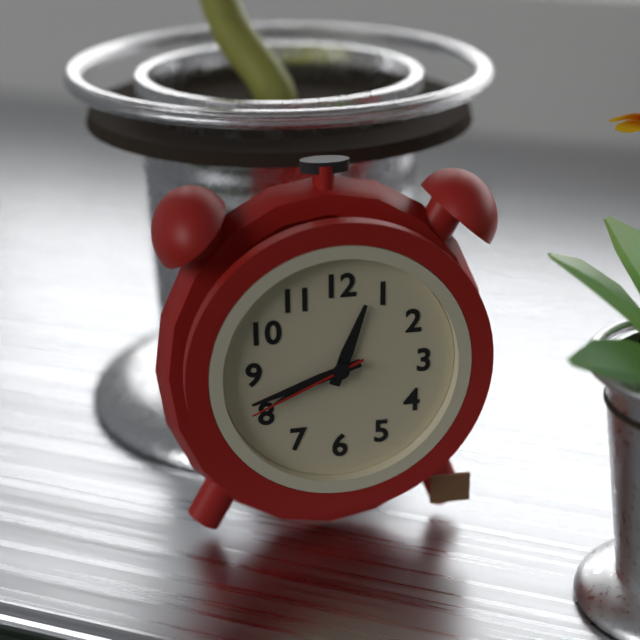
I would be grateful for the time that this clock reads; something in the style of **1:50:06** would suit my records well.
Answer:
**12:42:41**
